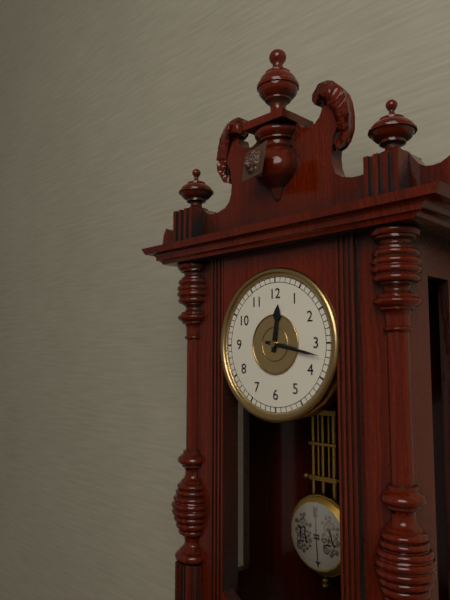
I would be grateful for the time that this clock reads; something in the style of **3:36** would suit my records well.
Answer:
**12:17**
